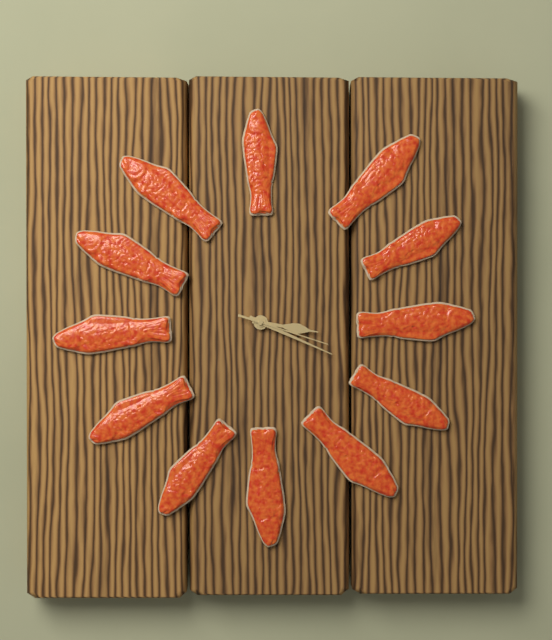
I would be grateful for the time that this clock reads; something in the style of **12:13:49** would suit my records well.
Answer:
**3:19:18**
